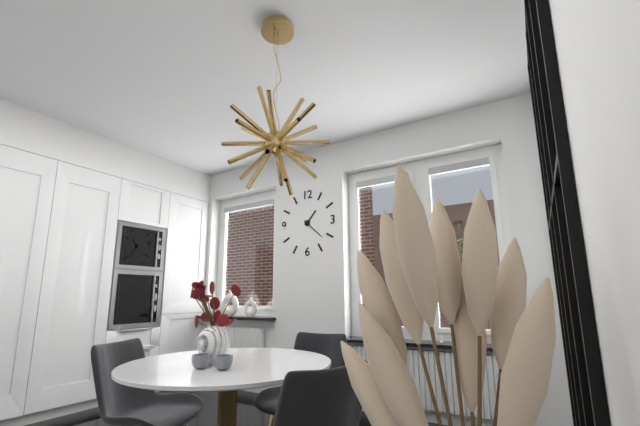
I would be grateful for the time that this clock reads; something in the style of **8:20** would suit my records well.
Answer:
**1:22**
